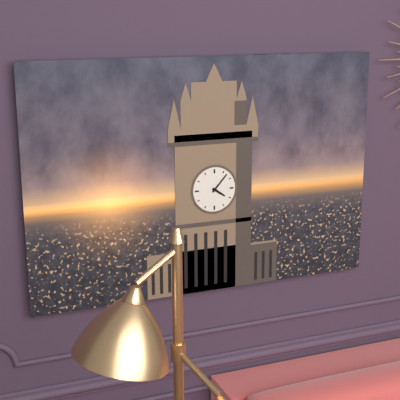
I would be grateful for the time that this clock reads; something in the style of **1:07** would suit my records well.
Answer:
**4:07**
